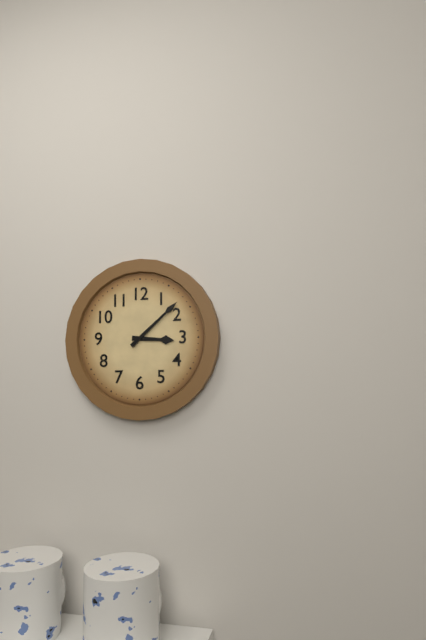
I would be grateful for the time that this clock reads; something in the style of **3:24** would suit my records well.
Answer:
**3:08**
